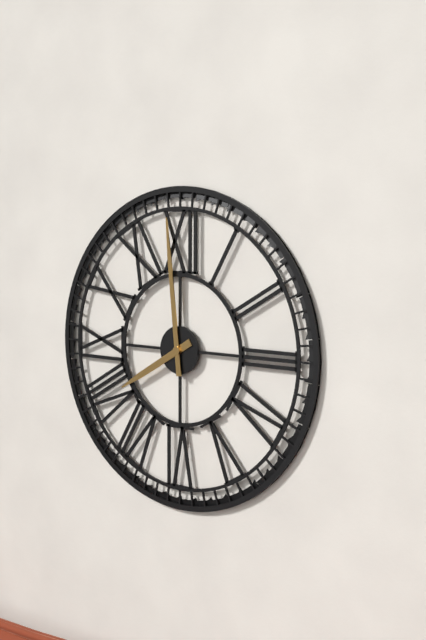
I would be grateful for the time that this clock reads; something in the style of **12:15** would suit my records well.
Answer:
**7:59**
